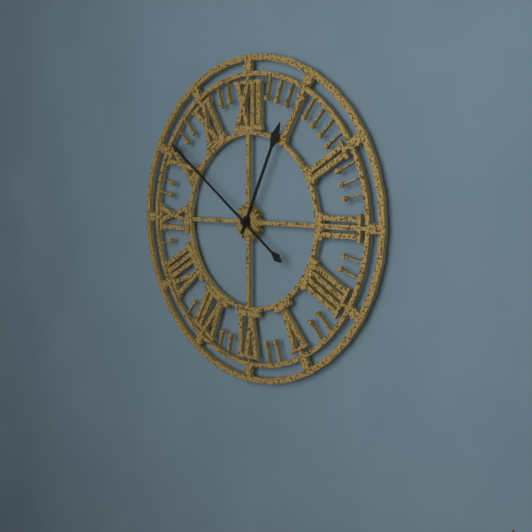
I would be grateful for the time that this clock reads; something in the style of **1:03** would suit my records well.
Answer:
**12:51**
